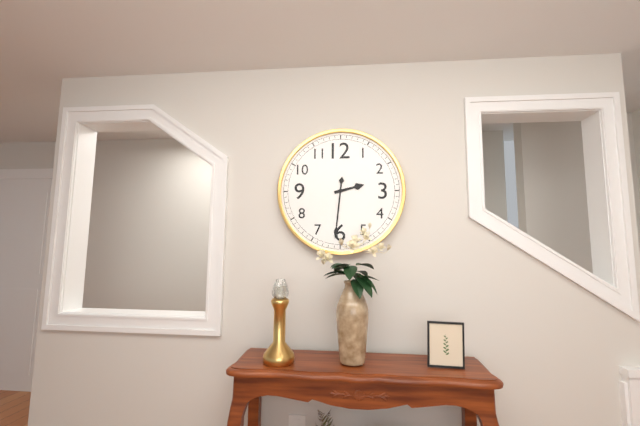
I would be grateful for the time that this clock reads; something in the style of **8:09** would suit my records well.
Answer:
**2:31**
